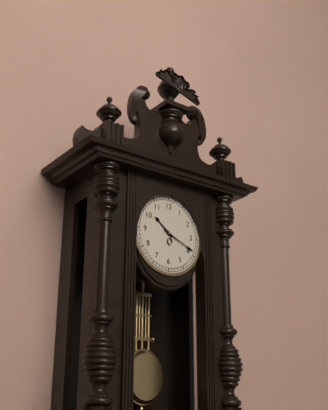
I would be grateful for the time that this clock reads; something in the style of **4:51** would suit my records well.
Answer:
**10:19**
